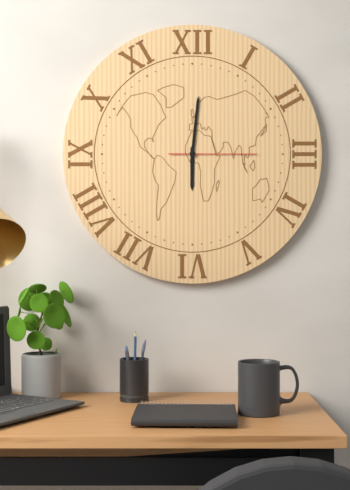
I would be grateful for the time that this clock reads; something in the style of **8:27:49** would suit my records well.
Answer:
**6:01:15**
